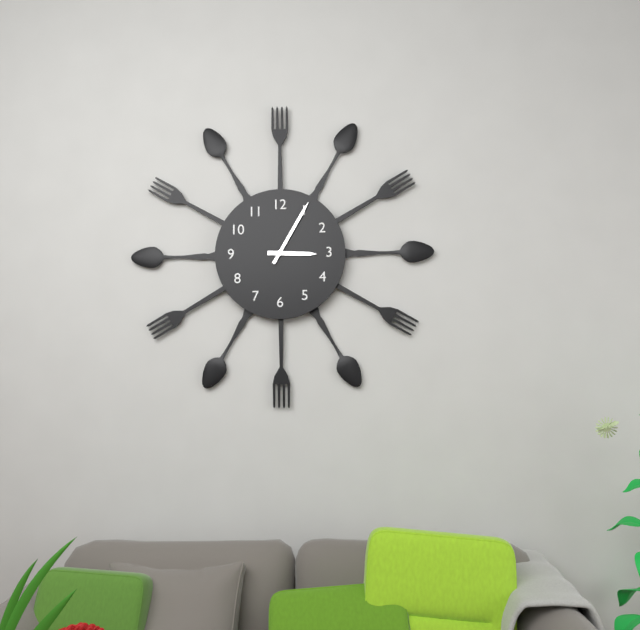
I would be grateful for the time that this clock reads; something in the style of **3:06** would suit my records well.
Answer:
**3:05**
